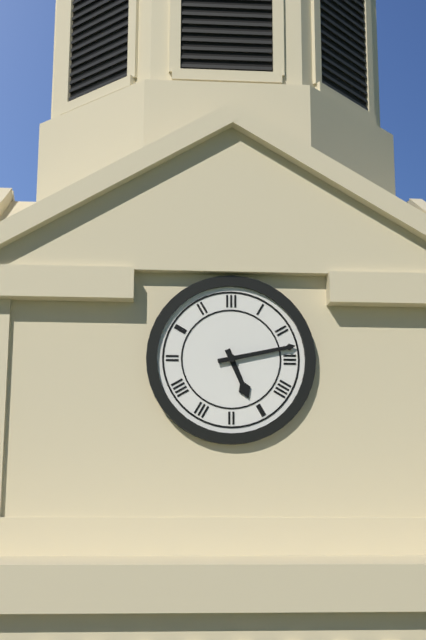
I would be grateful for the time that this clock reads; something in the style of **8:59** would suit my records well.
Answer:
**5:13**
